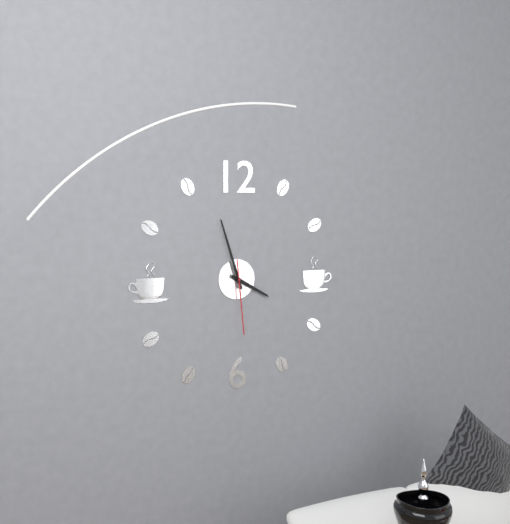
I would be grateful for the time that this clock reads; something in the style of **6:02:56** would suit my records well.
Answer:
**3:57:29**
